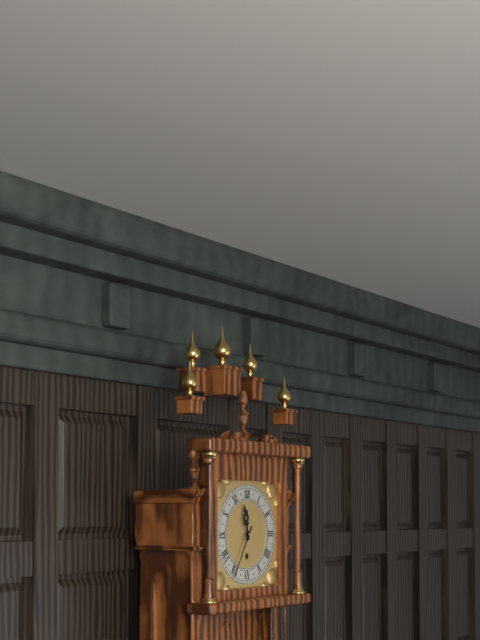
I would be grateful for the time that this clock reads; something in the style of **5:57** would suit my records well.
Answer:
**11:35**
